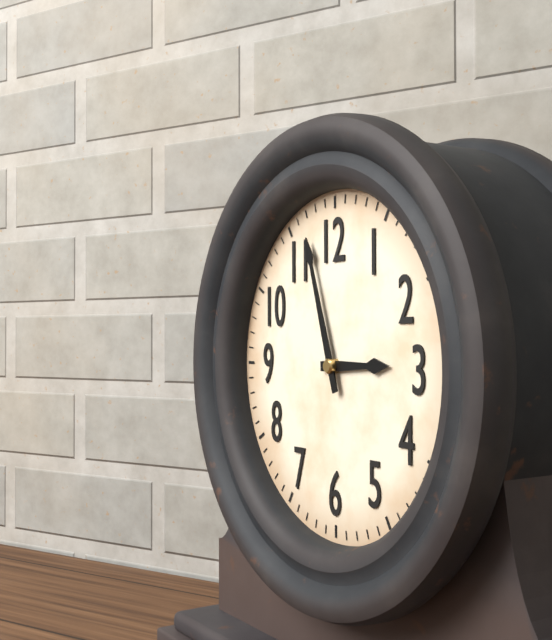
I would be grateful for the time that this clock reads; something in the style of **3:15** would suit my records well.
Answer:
**2:57**
